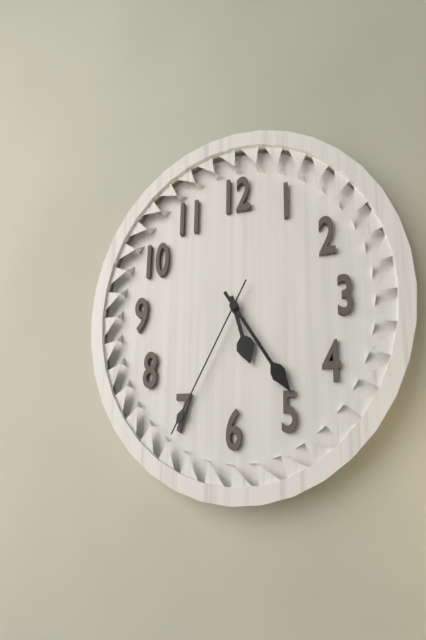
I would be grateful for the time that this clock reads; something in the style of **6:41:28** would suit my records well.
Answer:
**5:24:35**
